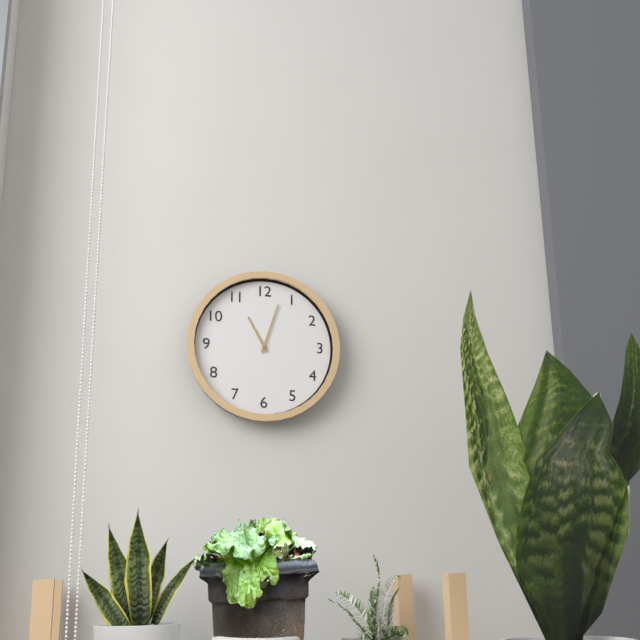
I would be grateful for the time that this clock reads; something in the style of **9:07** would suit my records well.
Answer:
**11:03**
